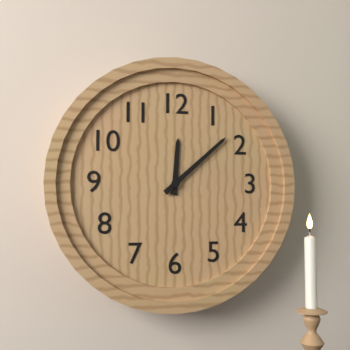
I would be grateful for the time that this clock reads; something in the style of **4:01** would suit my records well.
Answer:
**12:08**
